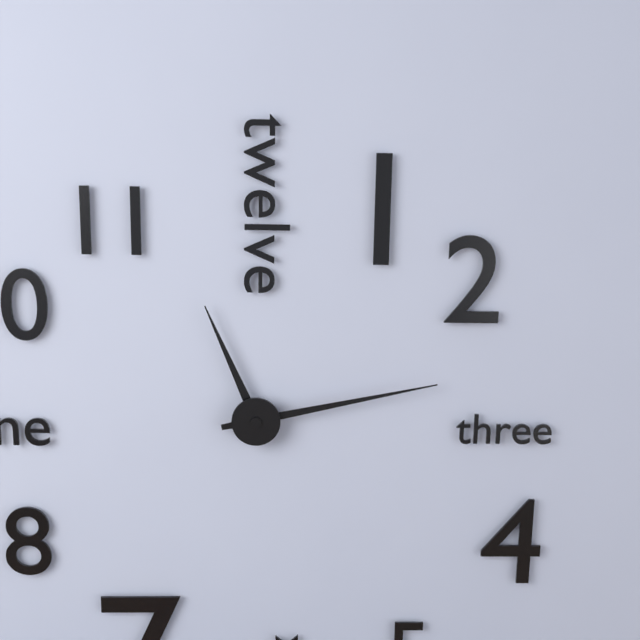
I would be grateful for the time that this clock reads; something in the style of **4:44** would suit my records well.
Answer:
**11:13**
